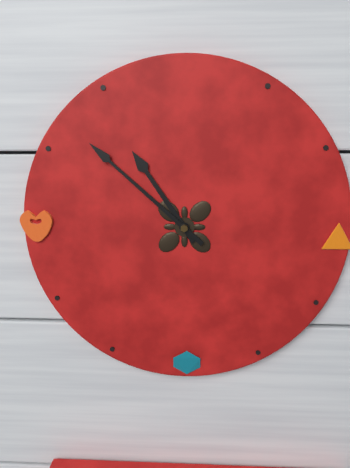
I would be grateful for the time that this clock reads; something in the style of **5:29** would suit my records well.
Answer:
**10:52**
